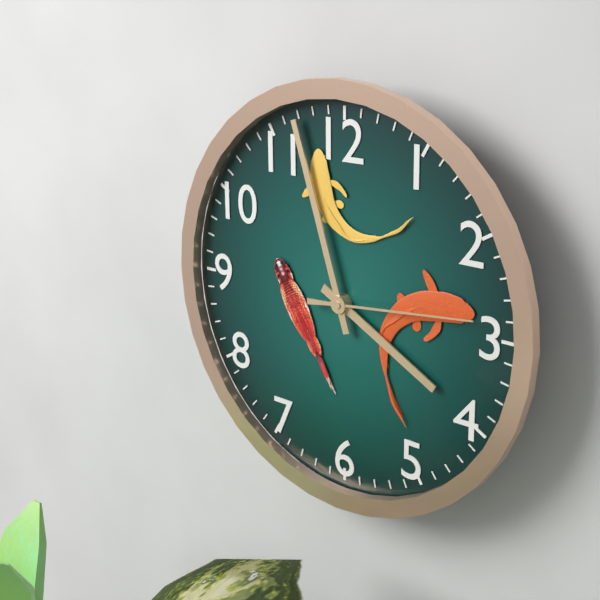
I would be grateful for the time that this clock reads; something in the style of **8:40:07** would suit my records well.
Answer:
**3:57:14**
